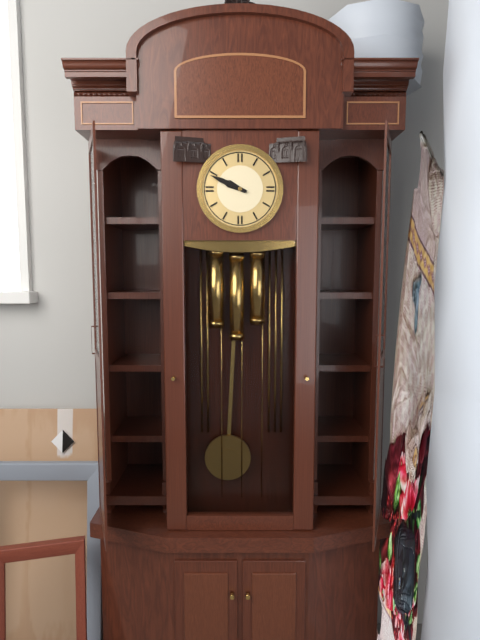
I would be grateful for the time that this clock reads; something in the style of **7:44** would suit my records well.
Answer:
**9:49**
